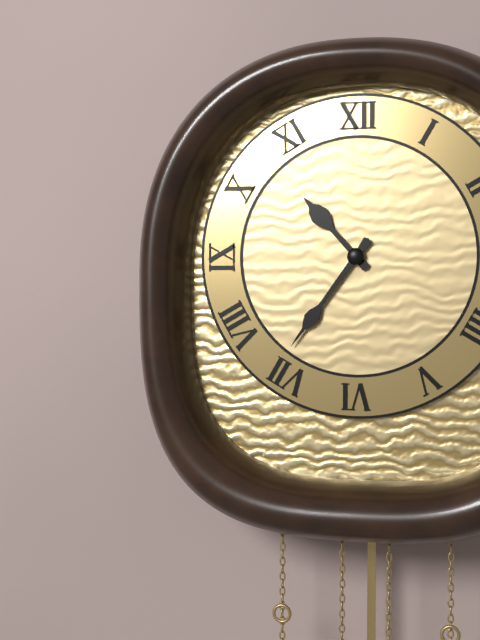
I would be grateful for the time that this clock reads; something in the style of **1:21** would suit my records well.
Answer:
**10:36**
